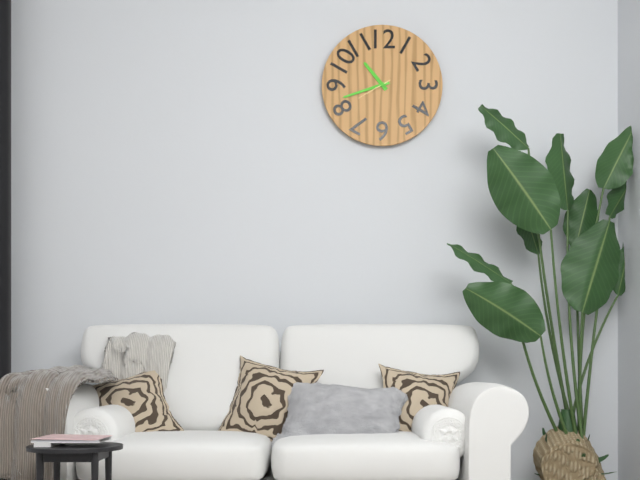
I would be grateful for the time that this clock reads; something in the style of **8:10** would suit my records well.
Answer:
**10:42**
